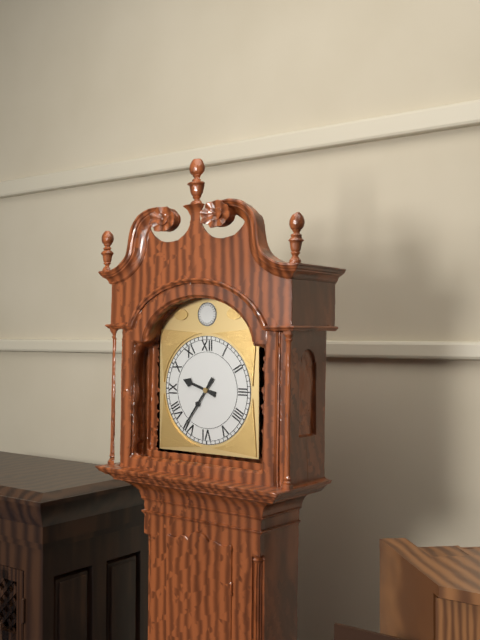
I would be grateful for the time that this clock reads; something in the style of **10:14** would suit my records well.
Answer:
**9:36**
